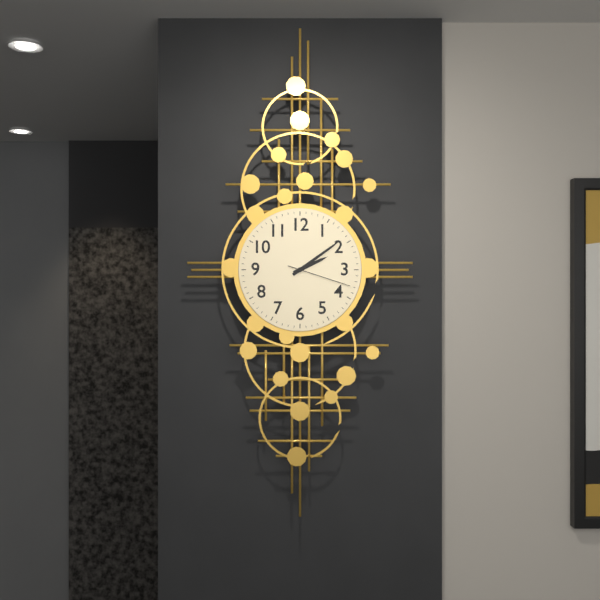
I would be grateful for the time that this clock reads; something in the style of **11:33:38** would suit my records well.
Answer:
**2:09:18**
